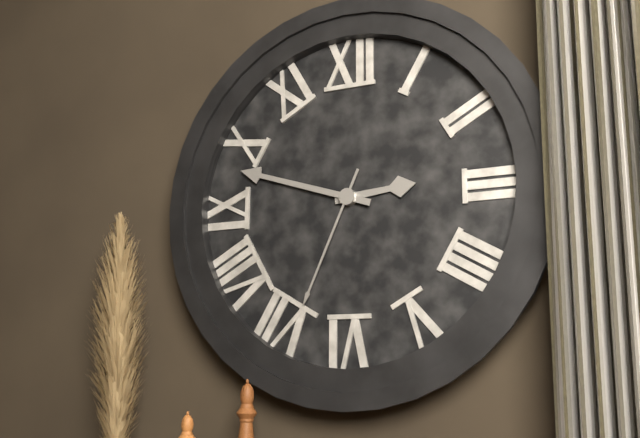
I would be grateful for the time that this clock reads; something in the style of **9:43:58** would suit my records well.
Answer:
**2:48:34**
